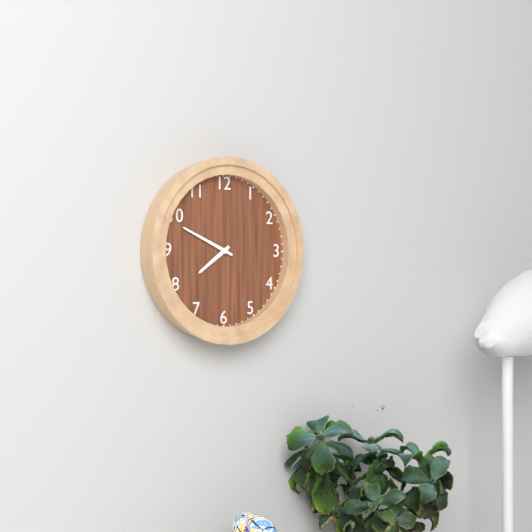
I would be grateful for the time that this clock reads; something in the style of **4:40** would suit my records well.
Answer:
**7:49**
